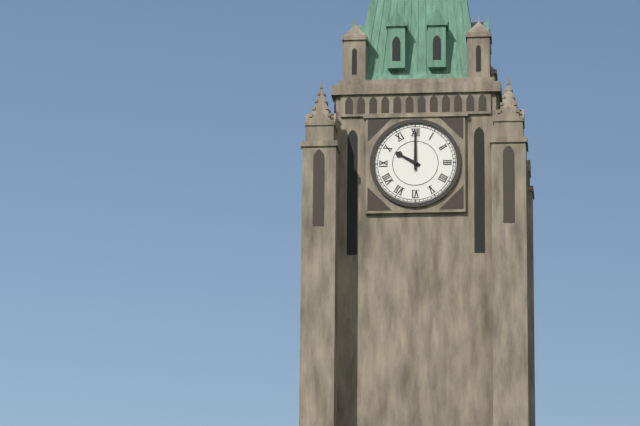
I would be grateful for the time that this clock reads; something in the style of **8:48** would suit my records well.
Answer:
**10:00**
